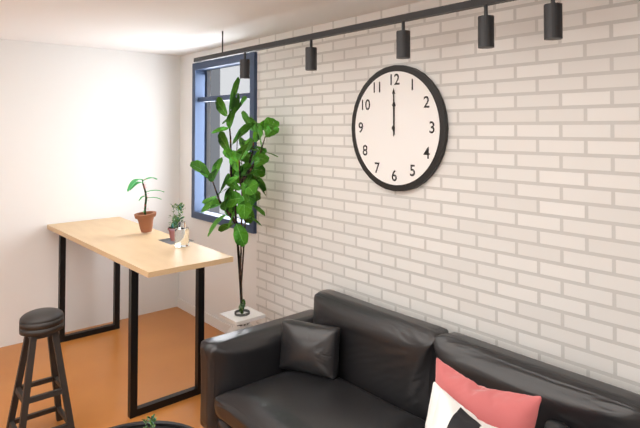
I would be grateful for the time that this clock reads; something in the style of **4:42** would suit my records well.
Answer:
**12:00**
